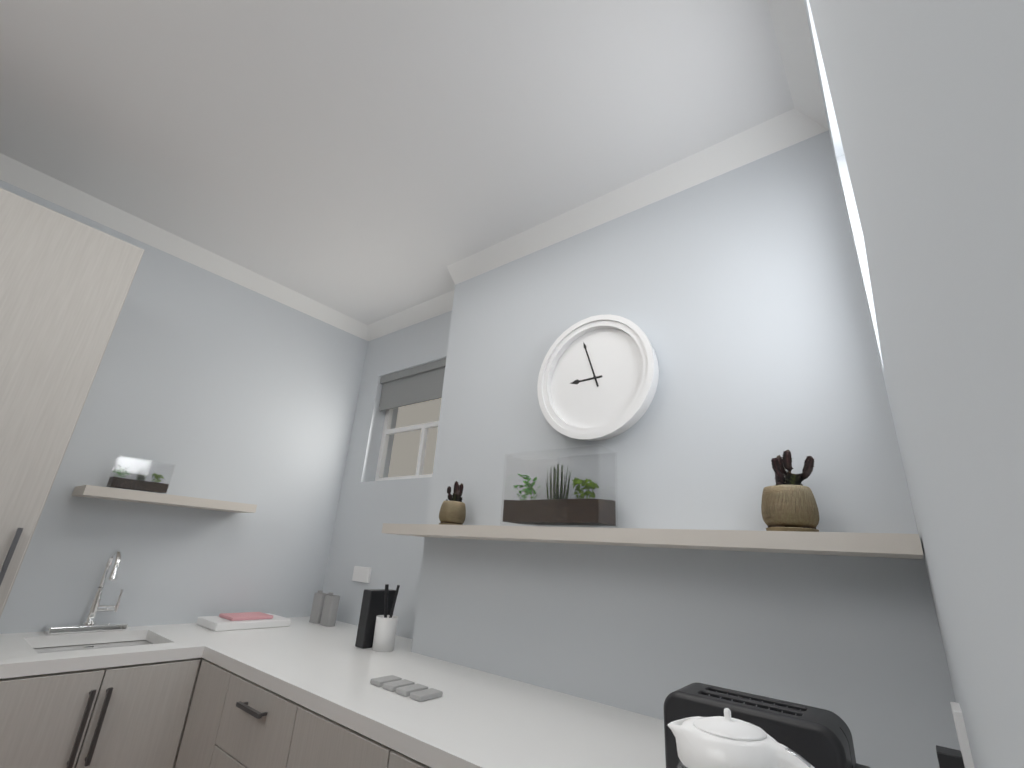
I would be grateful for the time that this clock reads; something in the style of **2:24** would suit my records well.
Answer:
**8:57**
